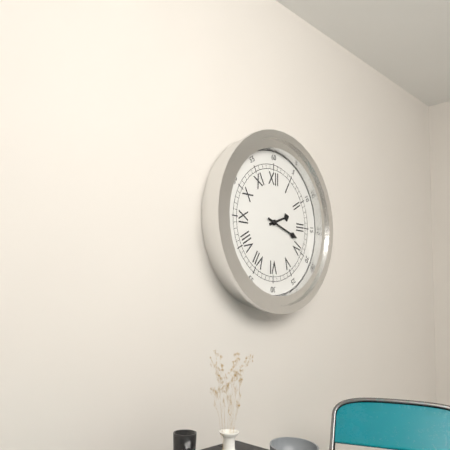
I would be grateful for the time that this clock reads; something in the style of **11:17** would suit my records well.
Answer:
**2:18**
